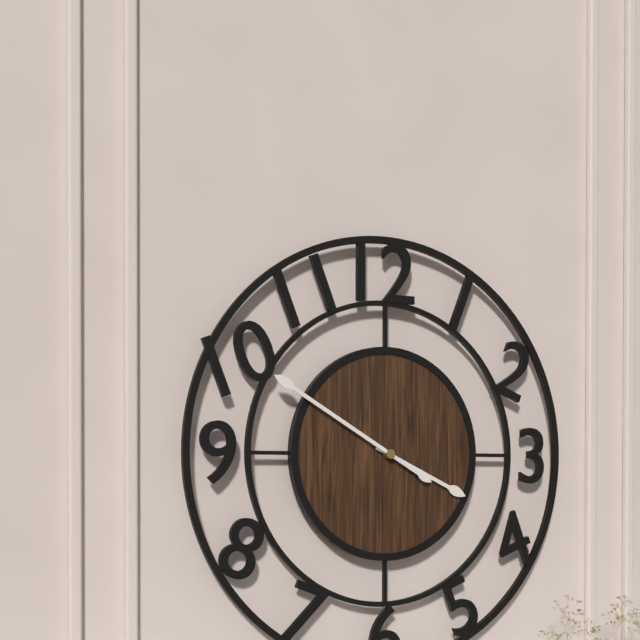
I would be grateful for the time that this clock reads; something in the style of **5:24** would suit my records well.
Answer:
**3:50**
